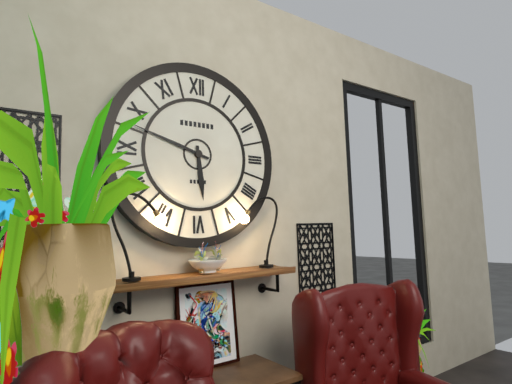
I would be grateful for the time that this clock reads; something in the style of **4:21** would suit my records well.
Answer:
**5:48**
